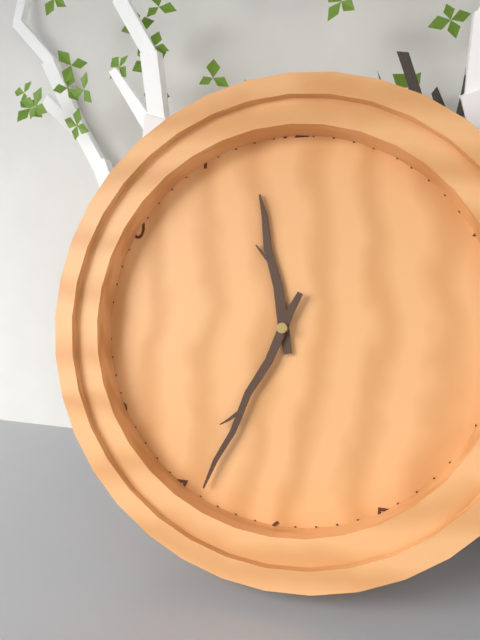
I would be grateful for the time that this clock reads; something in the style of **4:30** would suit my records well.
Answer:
**11:34**
